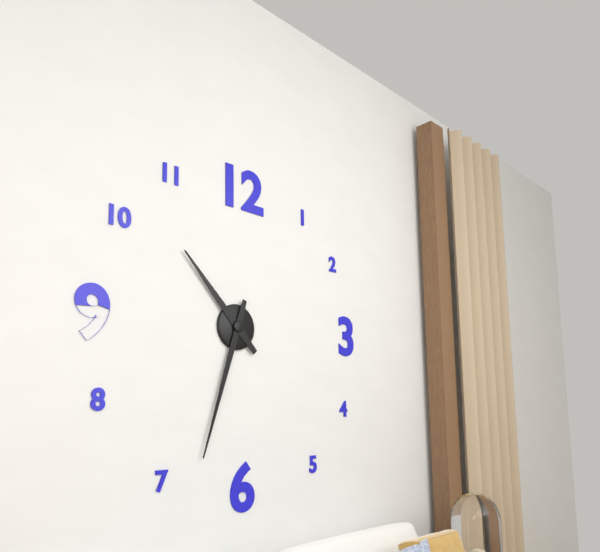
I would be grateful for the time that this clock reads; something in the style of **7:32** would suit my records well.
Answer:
**10:33**
